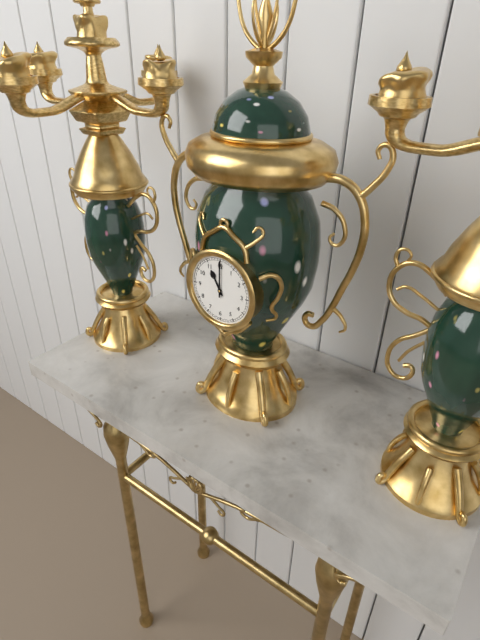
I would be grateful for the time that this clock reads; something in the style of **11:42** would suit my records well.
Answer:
**11:00**
